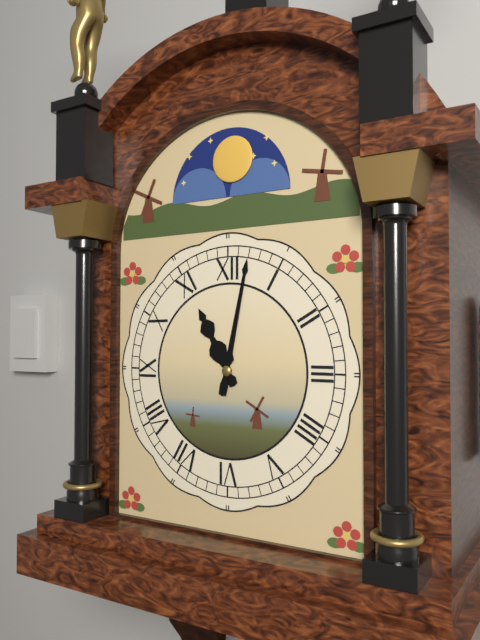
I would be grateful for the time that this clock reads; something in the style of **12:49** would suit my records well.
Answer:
**11:02**
